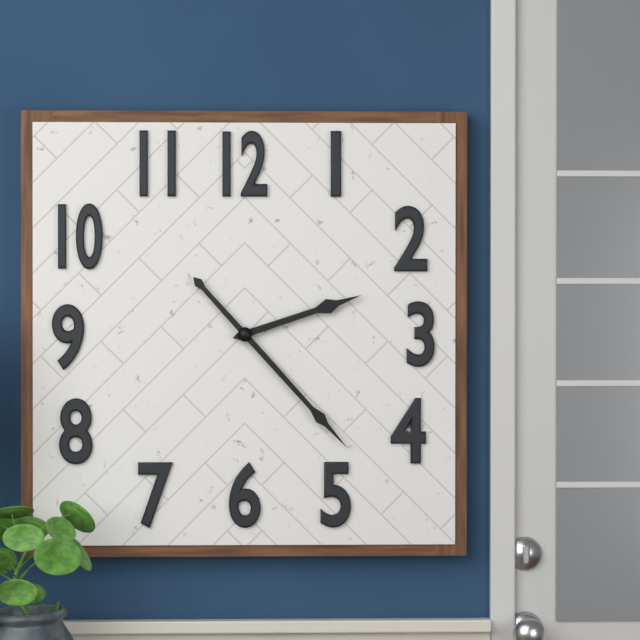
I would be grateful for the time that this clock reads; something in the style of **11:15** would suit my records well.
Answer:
**2:23**
